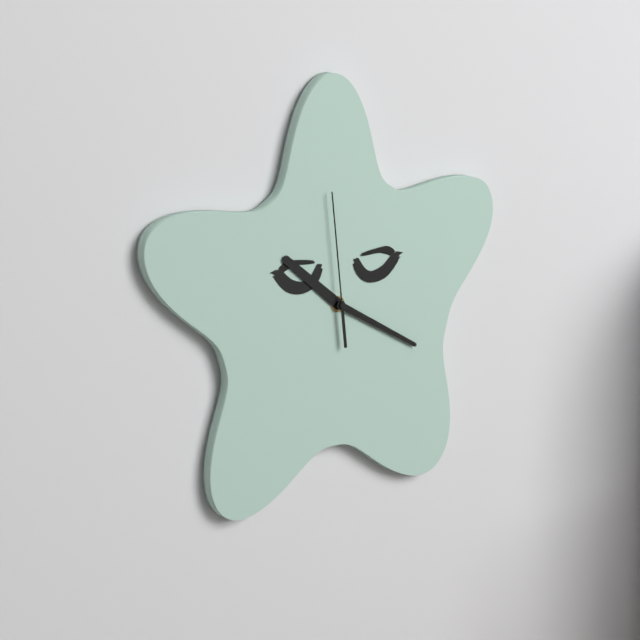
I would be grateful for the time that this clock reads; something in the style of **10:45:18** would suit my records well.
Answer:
**10:20:59**
